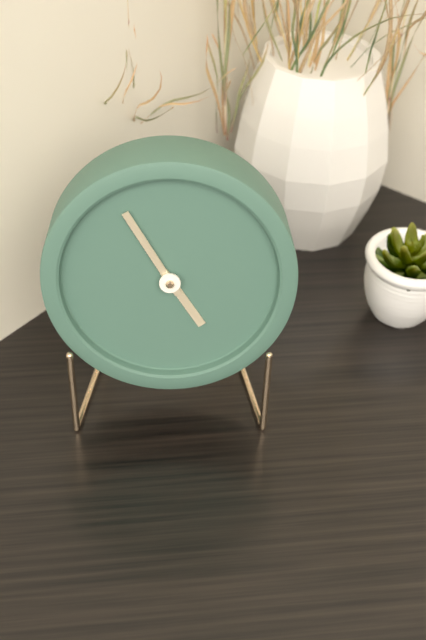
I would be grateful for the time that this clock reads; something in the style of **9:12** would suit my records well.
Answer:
**4:55**
